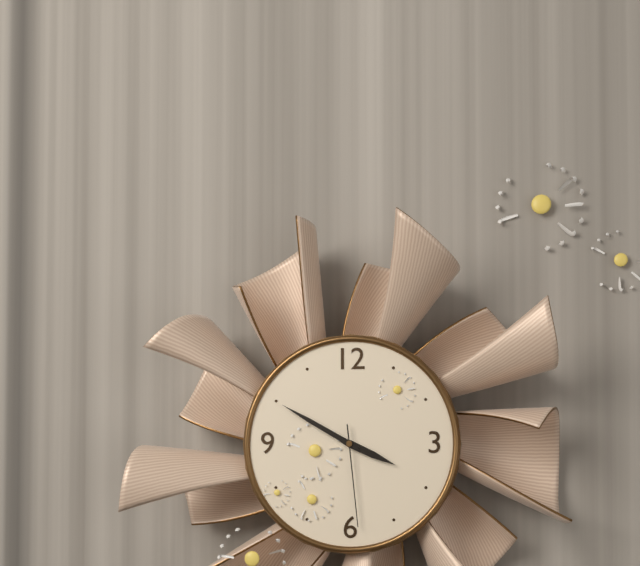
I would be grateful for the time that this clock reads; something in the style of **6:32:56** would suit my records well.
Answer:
**3:50:29**
